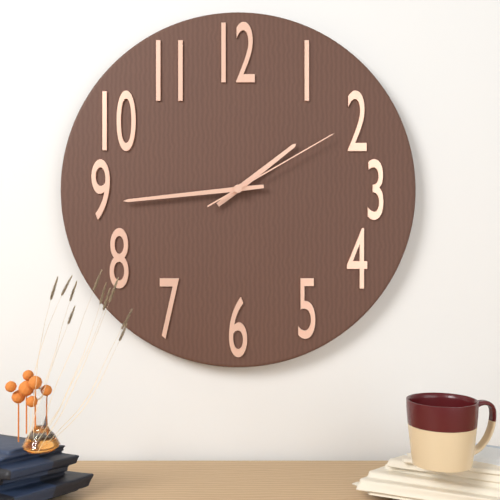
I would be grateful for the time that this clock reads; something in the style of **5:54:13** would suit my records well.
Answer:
**1:44:10**
